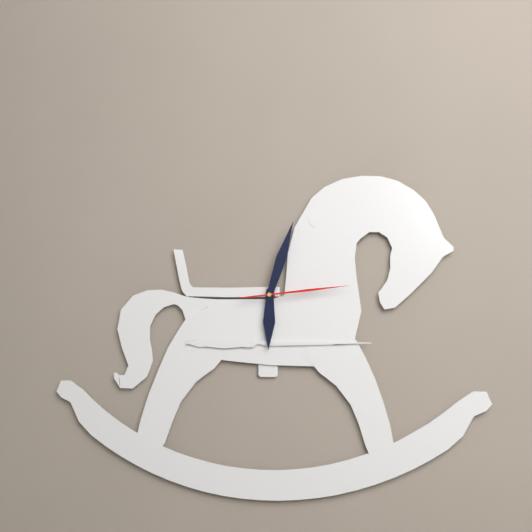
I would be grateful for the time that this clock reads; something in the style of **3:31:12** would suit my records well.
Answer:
**6:03:14**
